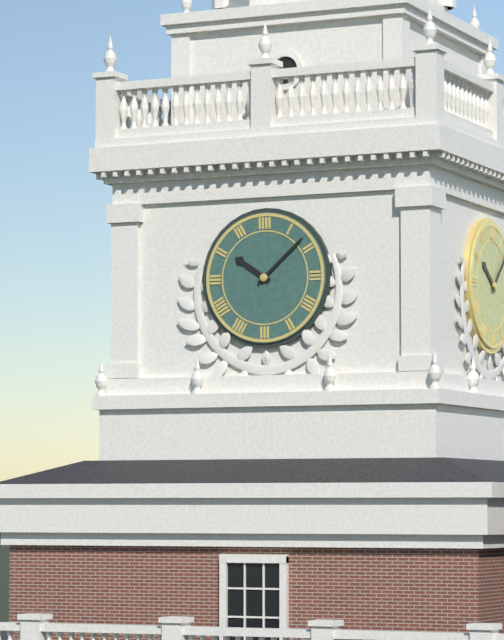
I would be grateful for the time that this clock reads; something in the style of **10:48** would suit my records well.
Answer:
**10:08**
